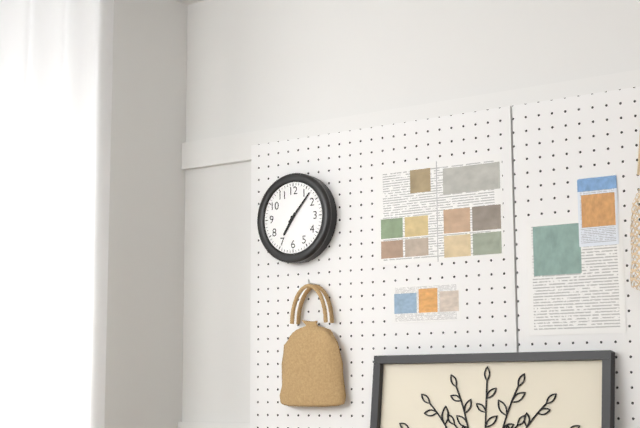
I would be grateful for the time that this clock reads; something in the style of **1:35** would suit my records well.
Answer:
**7:07**
